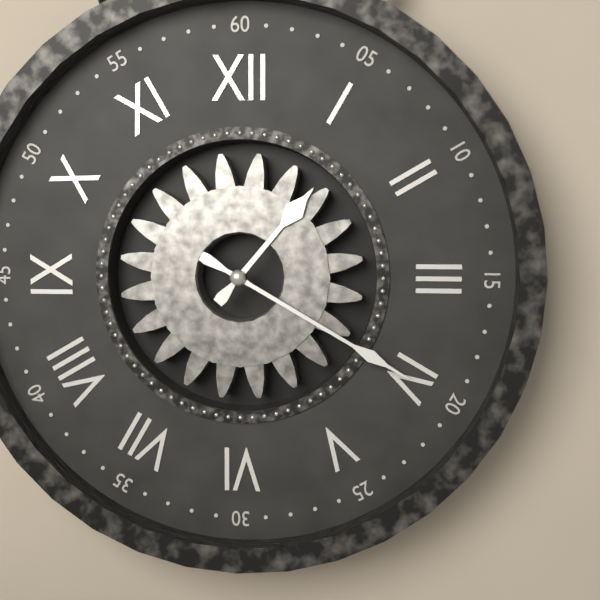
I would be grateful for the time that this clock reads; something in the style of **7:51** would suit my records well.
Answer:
**1:20**
